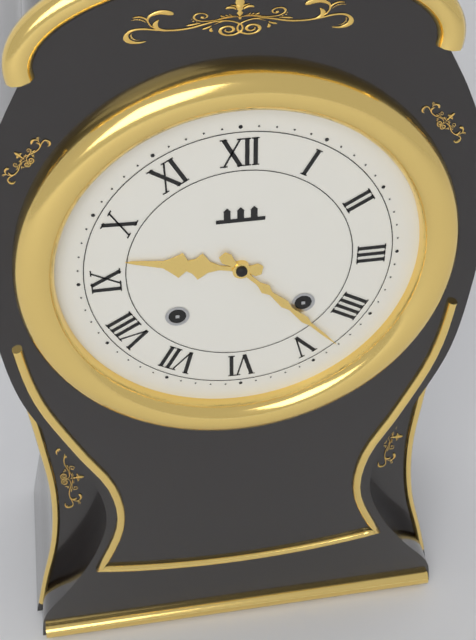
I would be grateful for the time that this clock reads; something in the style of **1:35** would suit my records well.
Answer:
**9:23**
